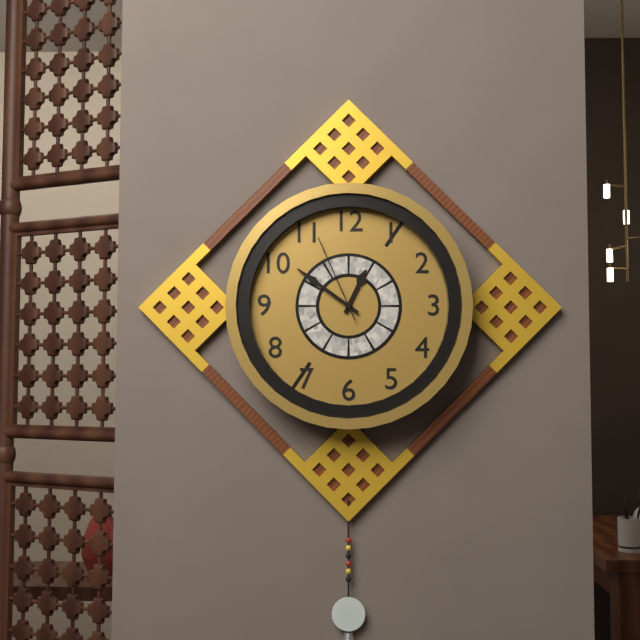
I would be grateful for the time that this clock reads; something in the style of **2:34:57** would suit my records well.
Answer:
**12:51:56**
